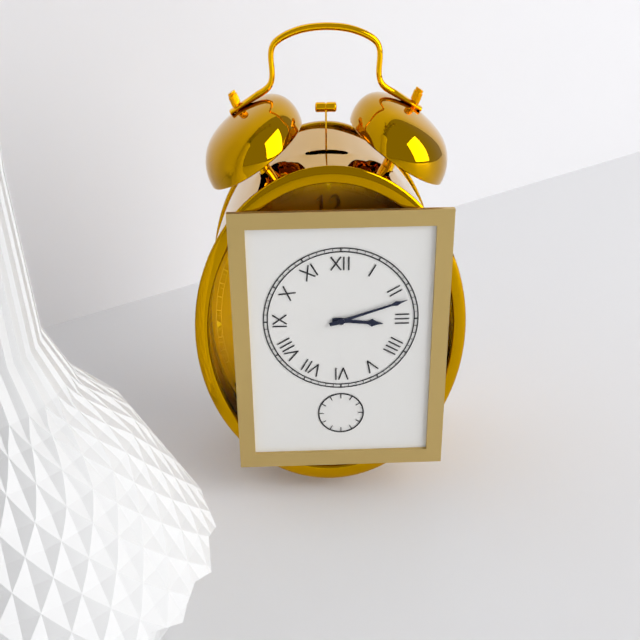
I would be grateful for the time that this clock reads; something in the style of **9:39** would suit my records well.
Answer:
**3:12**
